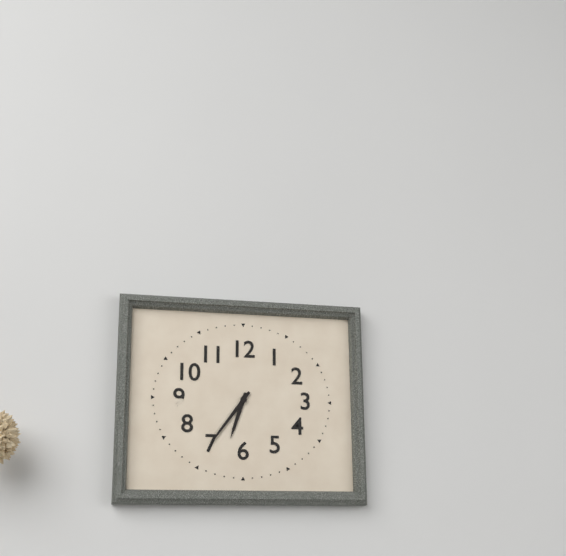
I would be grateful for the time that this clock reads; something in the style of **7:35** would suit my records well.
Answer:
**6:36**
